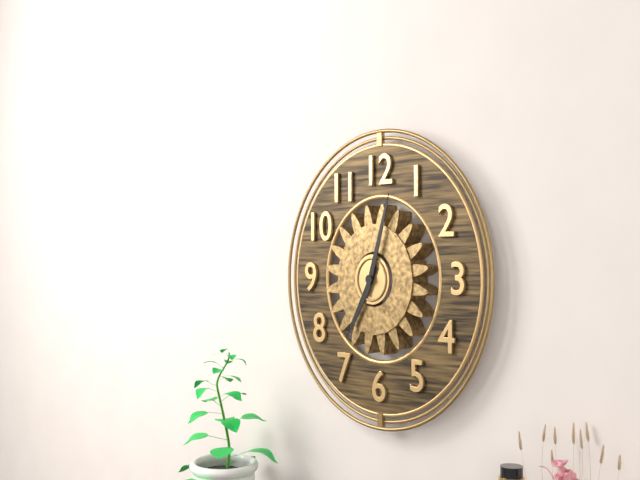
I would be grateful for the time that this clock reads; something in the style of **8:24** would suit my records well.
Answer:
**7:03**
